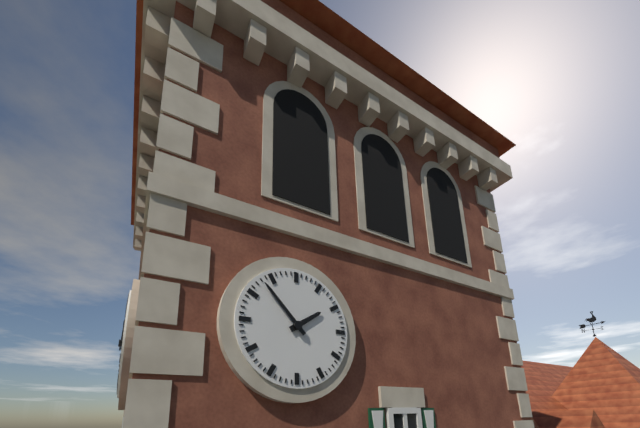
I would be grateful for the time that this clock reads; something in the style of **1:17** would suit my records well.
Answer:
**1:53**
